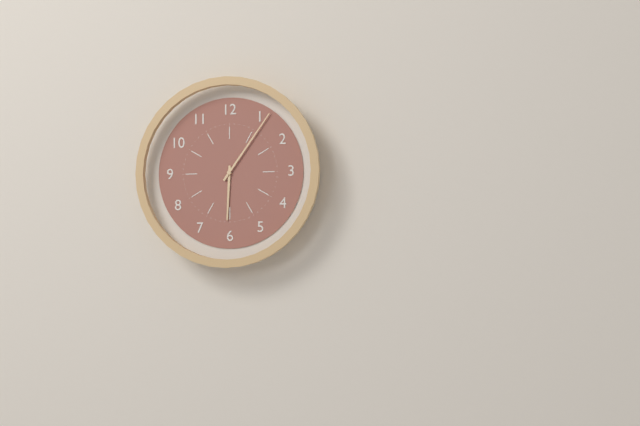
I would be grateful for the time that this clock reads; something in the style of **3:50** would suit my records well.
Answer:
**6:06**
